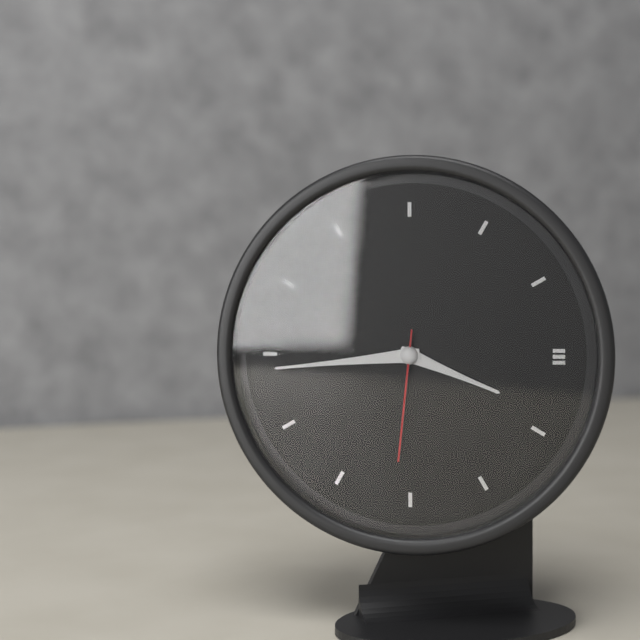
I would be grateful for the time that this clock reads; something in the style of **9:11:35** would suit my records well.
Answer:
**3:44:31**
